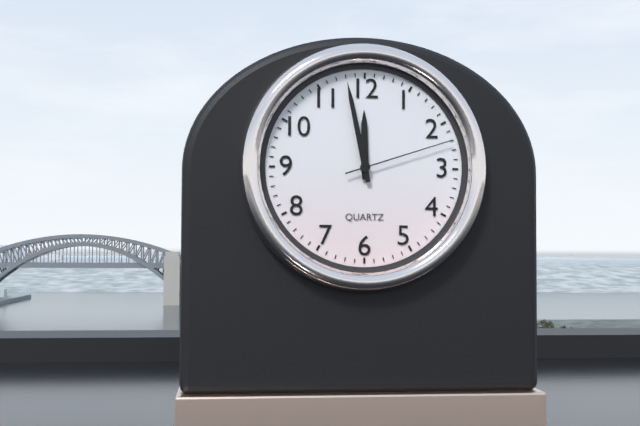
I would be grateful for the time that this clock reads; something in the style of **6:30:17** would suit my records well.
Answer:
**11:58:12**
